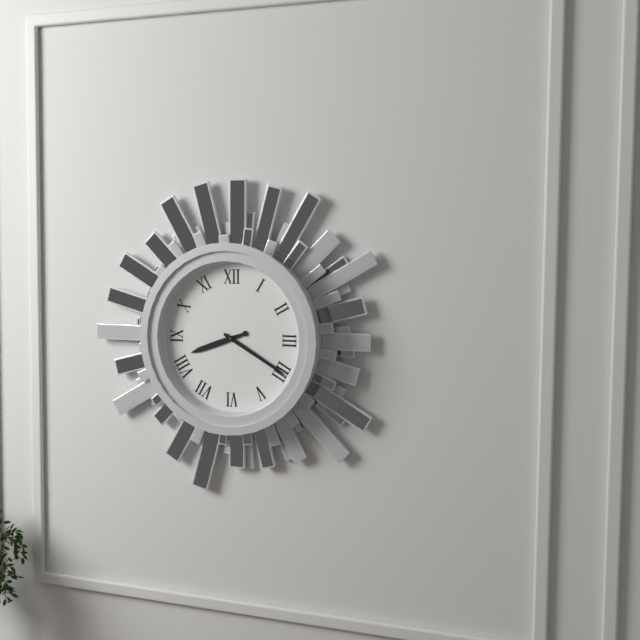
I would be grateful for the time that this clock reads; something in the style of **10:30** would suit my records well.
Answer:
**8:20**
